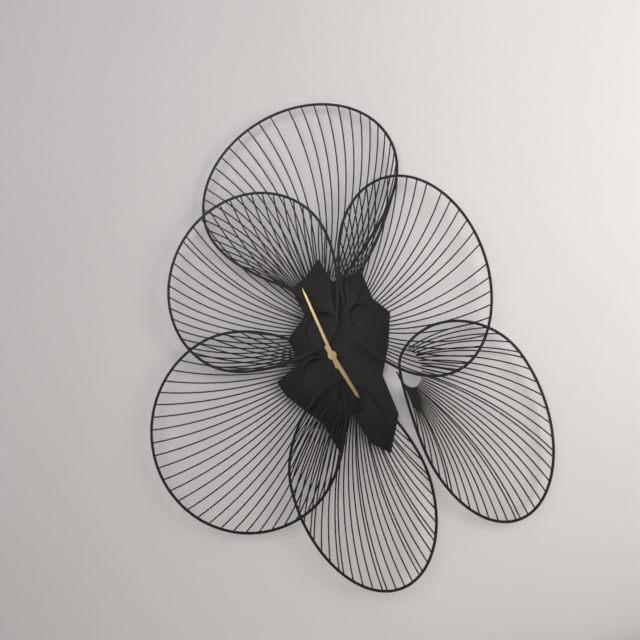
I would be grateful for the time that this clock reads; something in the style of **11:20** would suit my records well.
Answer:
**4:56**
